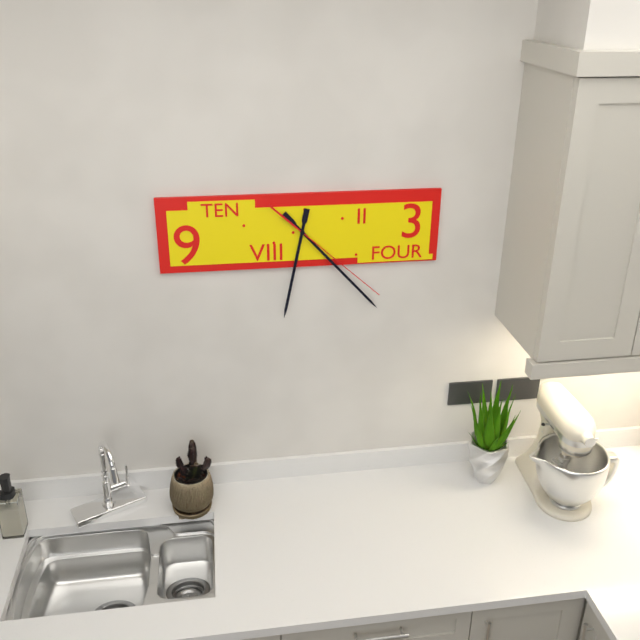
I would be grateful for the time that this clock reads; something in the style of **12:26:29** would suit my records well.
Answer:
**6:23:22**
